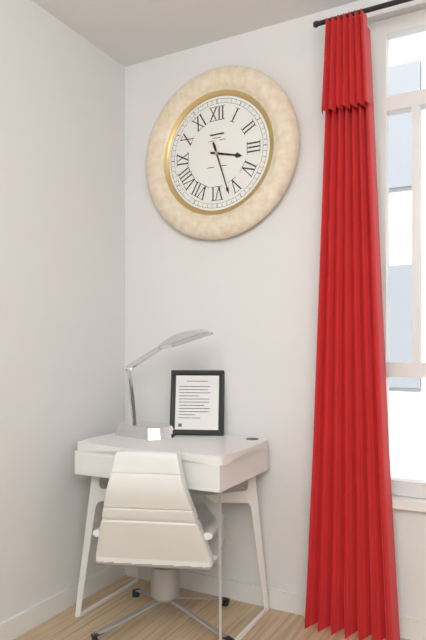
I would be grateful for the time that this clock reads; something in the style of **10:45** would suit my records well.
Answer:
**3:27**
